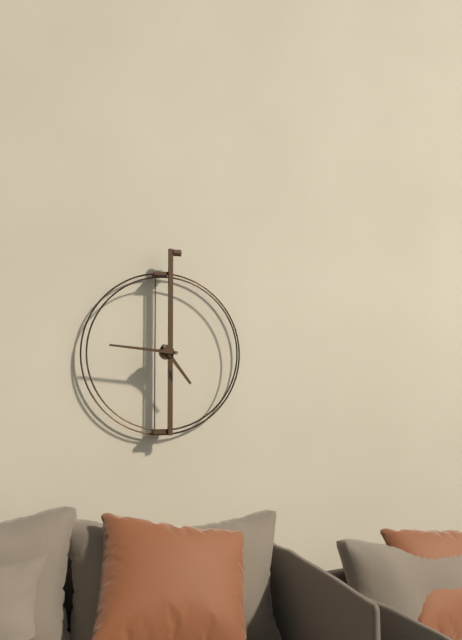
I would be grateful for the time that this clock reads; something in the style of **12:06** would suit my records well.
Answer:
**4:46**
